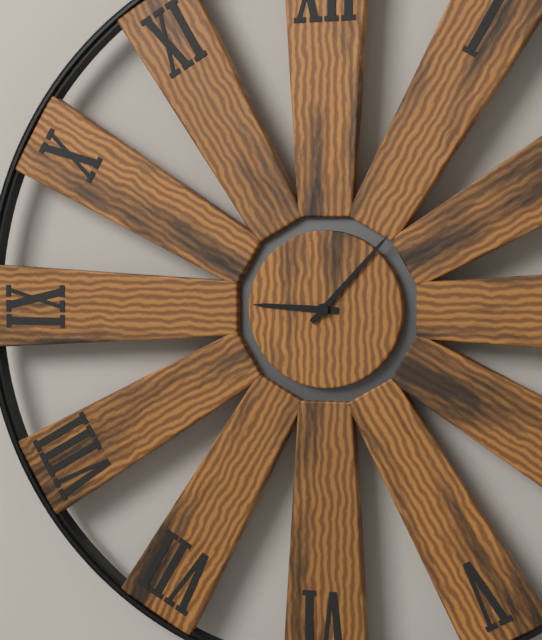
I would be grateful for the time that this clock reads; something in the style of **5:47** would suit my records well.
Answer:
**9:07**
